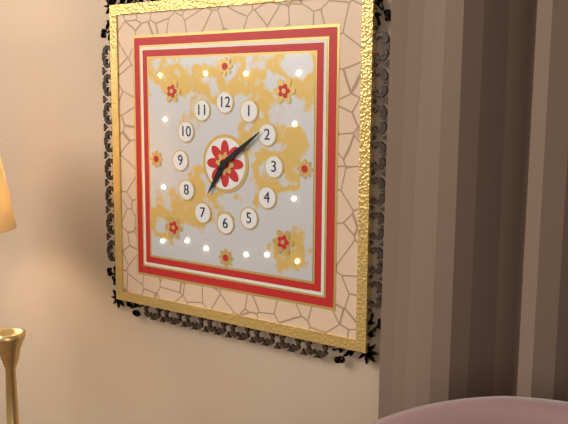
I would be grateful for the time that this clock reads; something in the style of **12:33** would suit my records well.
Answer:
**7:09**
